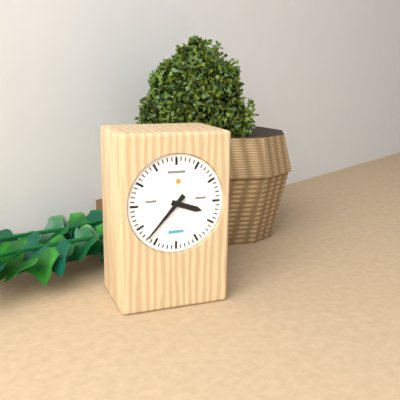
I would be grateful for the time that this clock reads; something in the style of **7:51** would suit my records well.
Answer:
**3:37**
